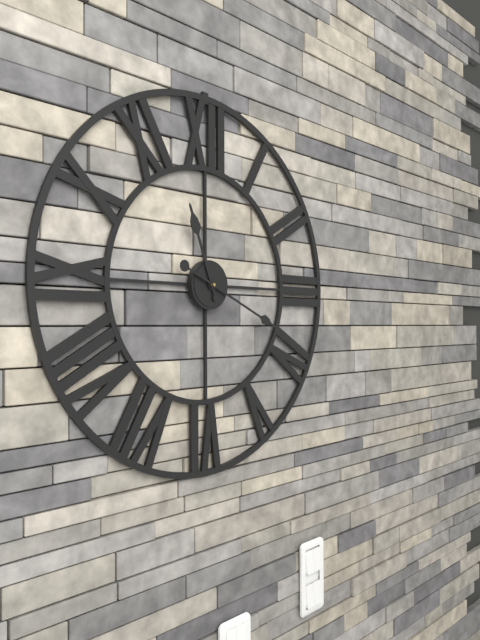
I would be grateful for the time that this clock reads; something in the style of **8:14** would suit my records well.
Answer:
**11:19**
